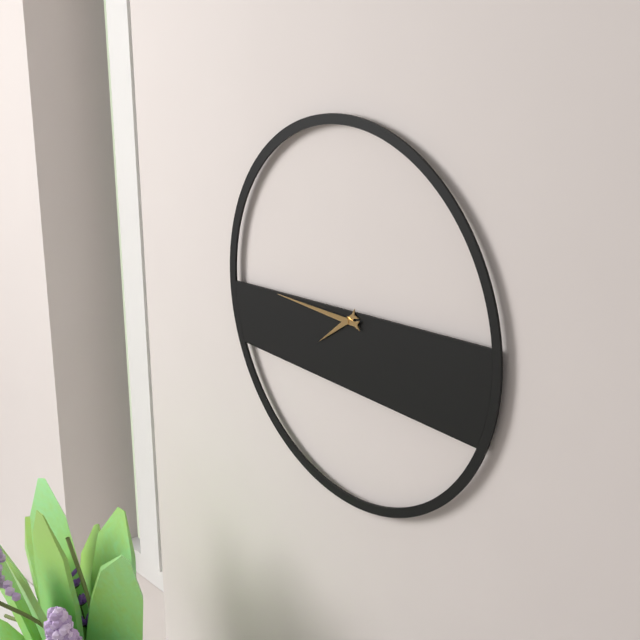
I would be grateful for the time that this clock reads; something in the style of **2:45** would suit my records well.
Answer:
**7:45**
